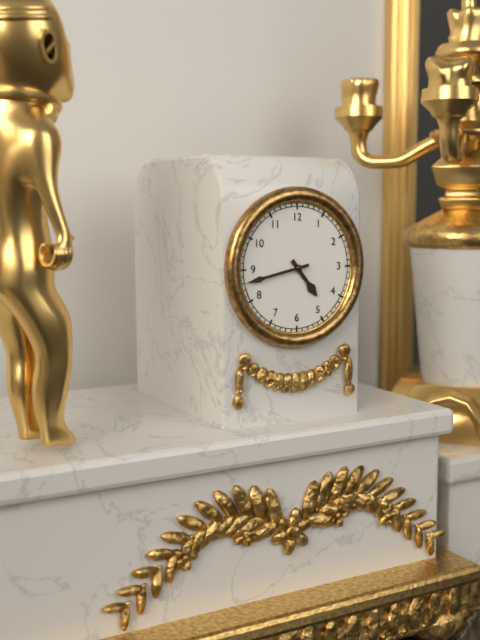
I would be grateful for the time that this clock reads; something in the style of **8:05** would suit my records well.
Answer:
**4:43**
